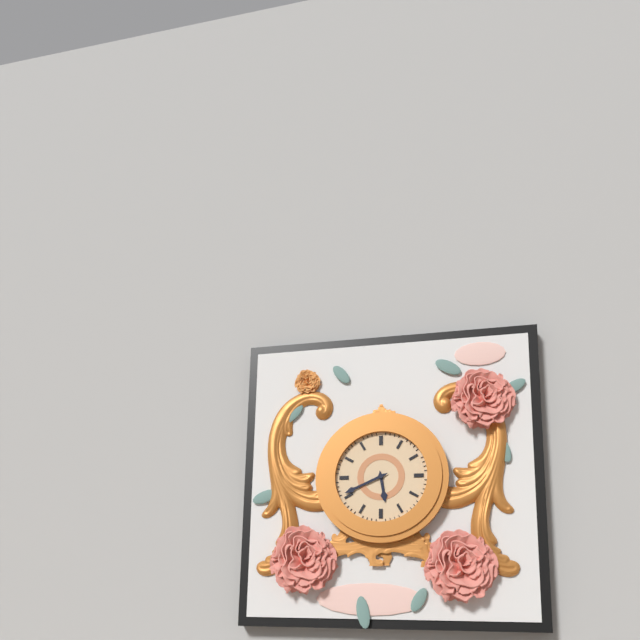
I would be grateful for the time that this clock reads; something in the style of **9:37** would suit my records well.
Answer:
**5:41**
